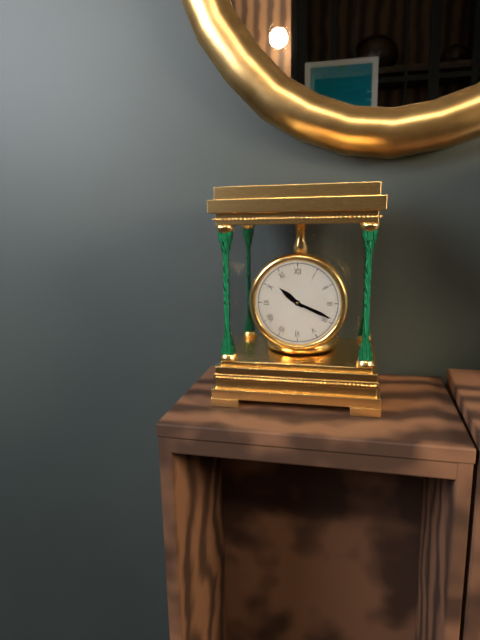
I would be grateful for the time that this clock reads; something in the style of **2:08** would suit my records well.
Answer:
**10:19**
